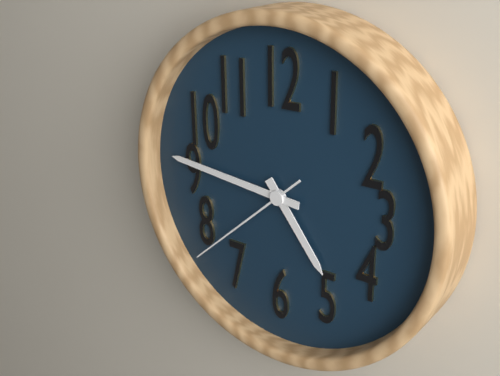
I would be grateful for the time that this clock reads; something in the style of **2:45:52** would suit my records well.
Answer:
**4:46:38**
